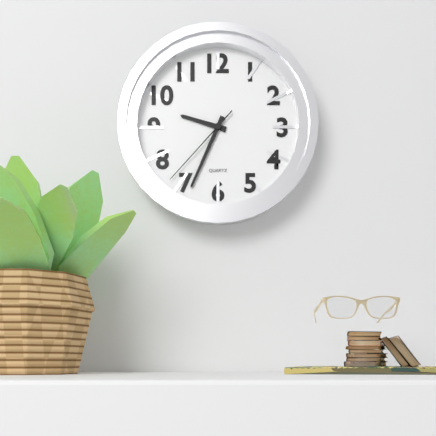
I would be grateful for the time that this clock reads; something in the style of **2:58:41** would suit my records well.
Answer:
**9:34:37**
